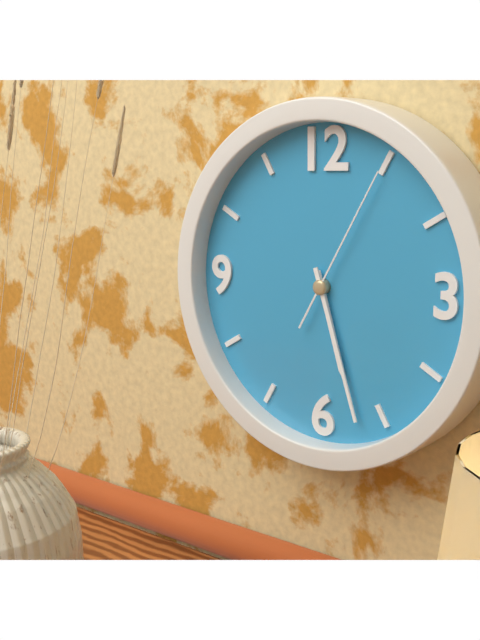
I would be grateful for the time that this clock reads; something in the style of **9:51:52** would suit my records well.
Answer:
**5:27:05**
